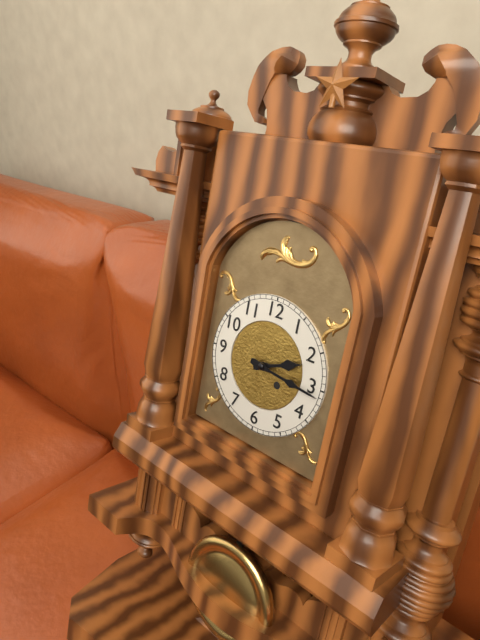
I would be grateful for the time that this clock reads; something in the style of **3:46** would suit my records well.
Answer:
**2:16**
